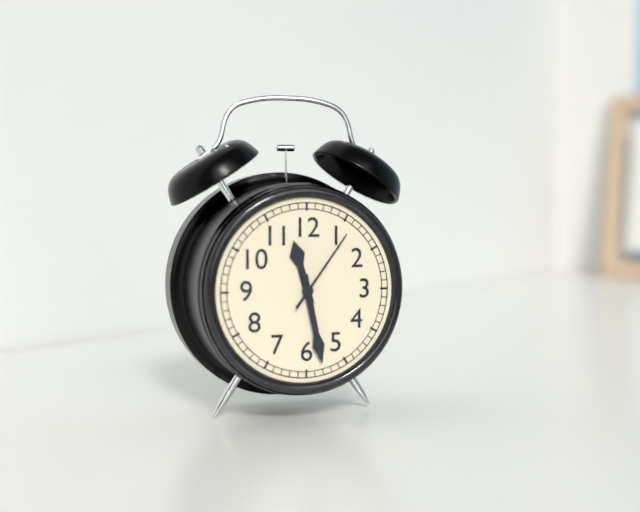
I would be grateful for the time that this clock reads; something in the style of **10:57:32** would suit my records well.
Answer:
**11:28:06**
